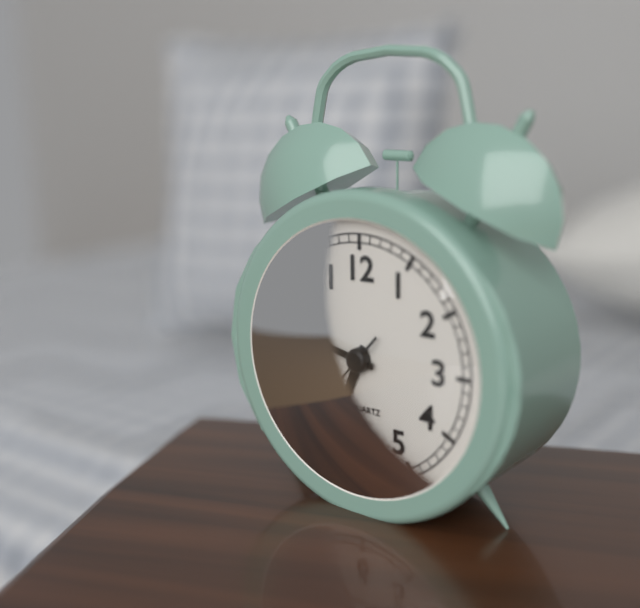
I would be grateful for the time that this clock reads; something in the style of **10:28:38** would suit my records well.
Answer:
**6:47:37**
